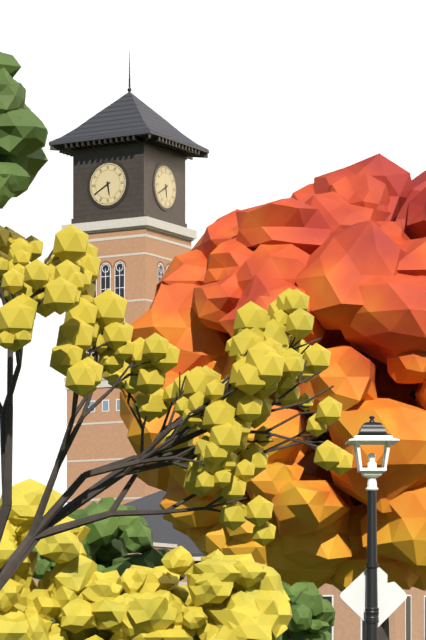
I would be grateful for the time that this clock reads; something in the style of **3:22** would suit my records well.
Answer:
**5:40**
